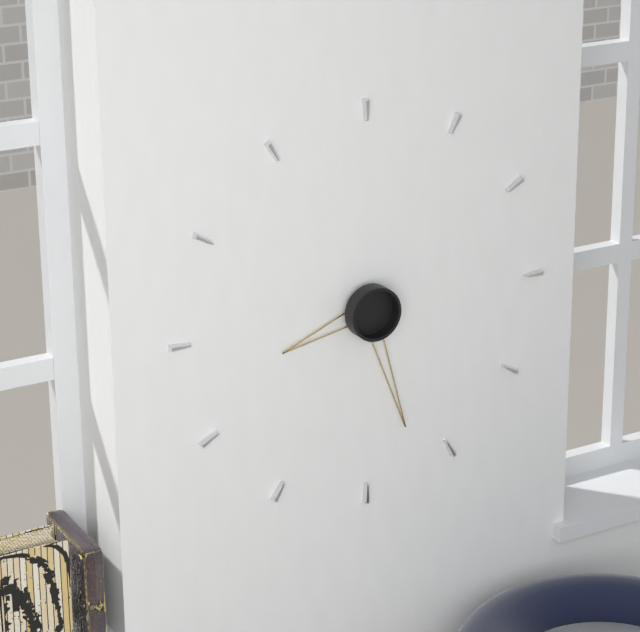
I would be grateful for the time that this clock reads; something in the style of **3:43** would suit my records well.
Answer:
**8:27**
